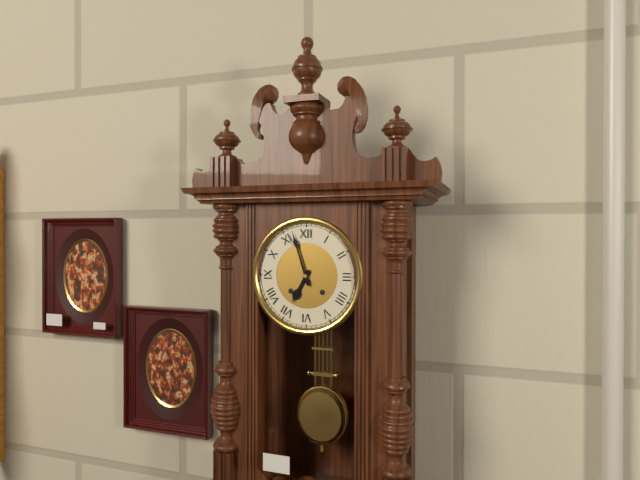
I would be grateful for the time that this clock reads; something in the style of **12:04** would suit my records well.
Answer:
**6:57**
